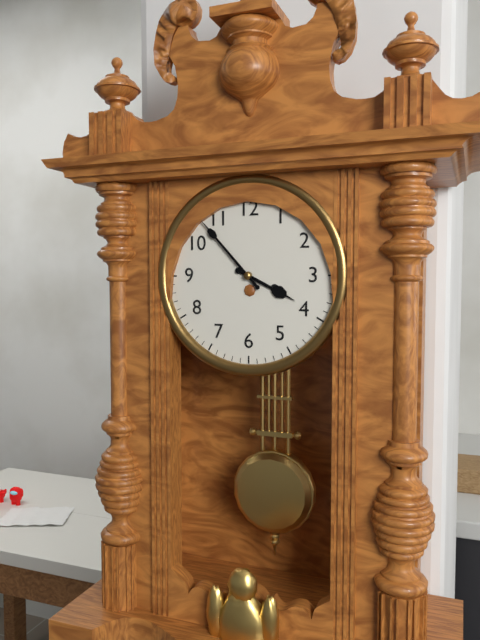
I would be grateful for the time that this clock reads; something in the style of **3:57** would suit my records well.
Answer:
**3:53**
